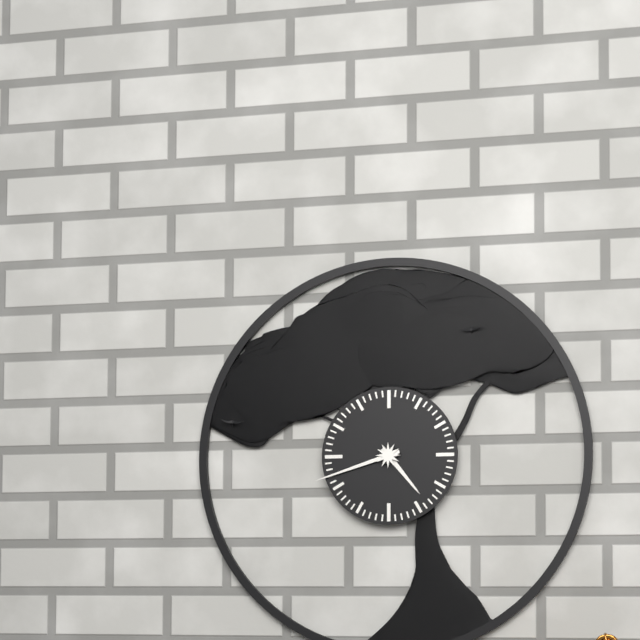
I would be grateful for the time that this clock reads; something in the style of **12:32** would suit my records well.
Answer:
**4:42**
